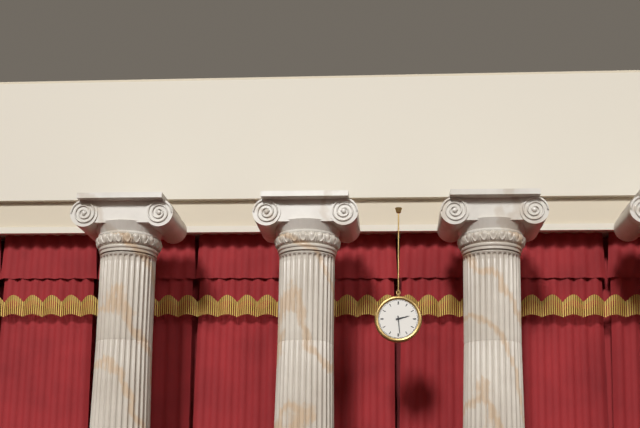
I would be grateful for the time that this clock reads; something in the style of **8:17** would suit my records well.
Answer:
**2:29**
